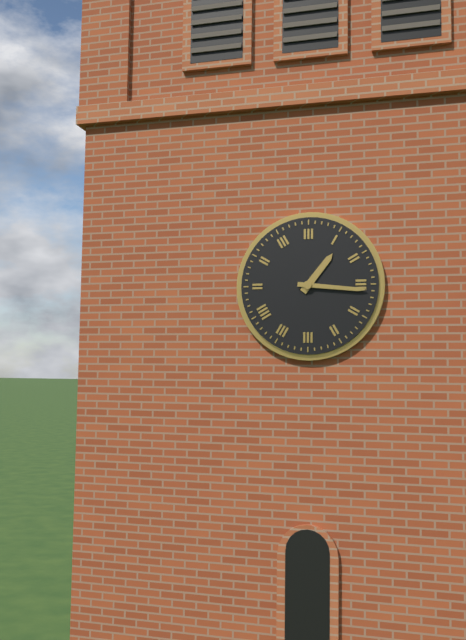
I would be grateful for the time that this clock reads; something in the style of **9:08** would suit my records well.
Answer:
**1:16**
